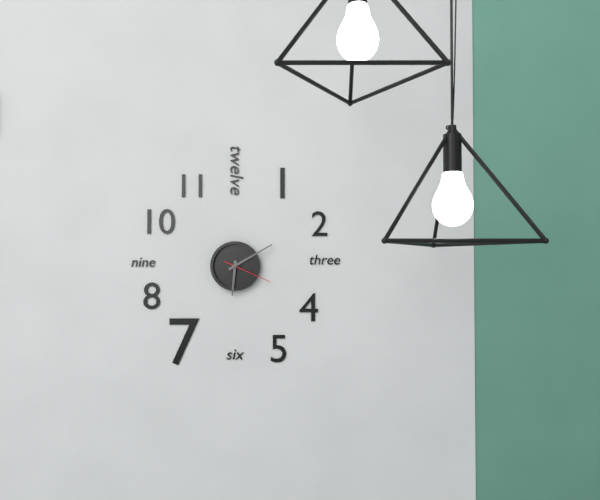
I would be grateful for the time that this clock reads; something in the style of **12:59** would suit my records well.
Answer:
**6:10**
